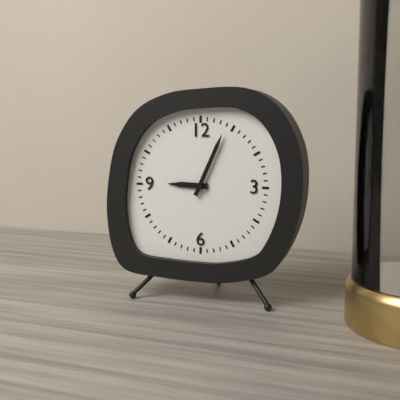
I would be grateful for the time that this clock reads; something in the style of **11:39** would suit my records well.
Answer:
**9:04**
